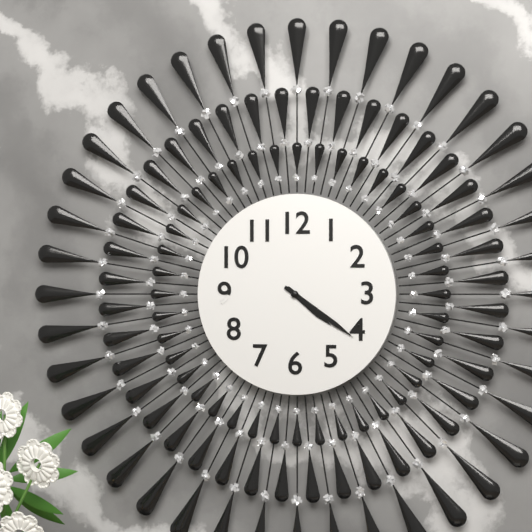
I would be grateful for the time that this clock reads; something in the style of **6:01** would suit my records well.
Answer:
**4:21**
